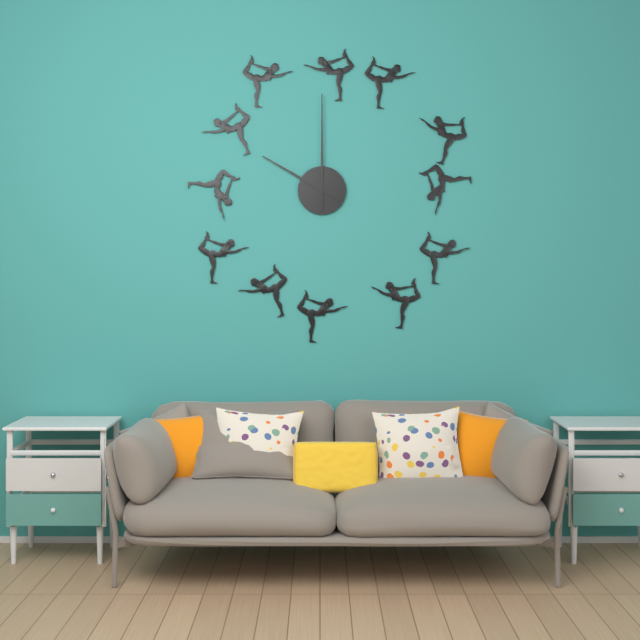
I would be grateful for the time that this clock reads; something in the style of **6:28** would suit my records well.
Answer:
**10:00**
